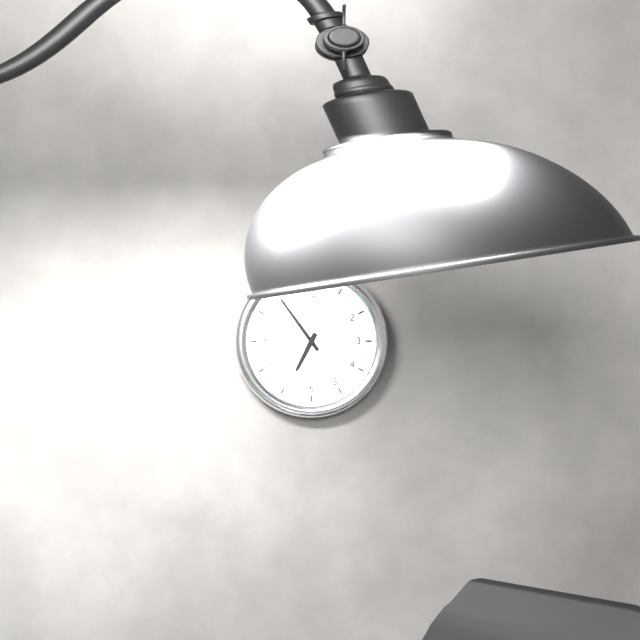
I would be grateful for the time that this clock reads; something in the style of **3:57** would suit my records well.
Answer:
**6:54**
